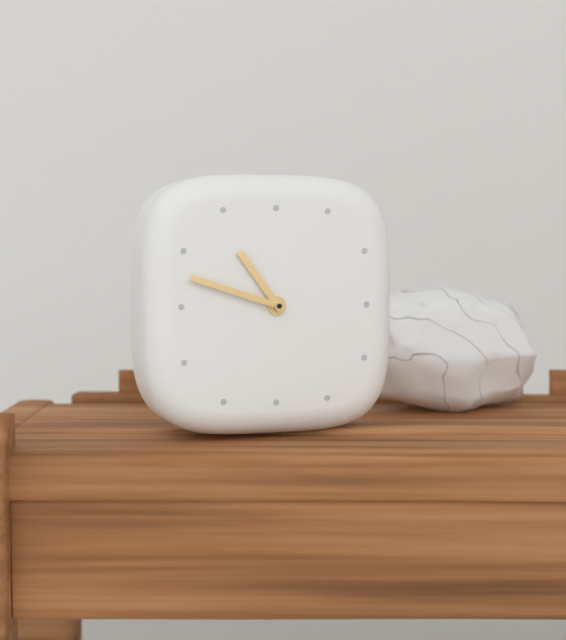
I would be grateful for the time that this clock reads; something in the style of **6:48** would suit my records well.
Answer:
**10:48**
